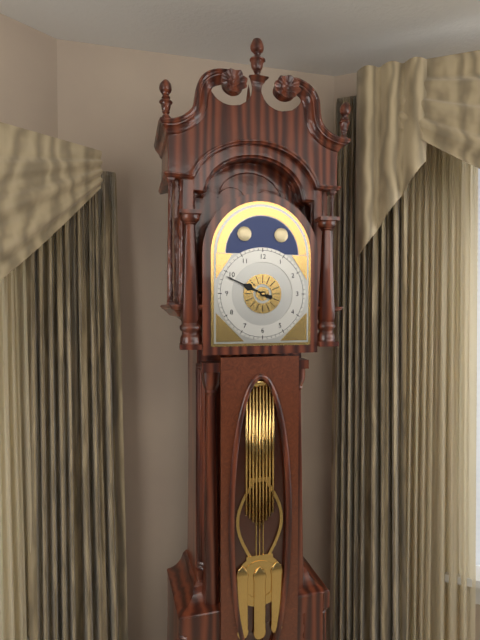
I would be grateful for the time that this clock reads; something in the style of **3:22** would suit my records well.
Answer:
**9:49**
